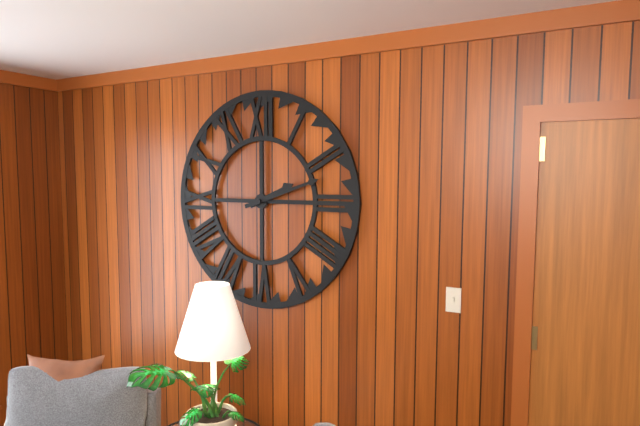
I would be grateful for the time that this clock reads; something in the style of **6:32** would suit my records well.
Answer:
**2:12**
